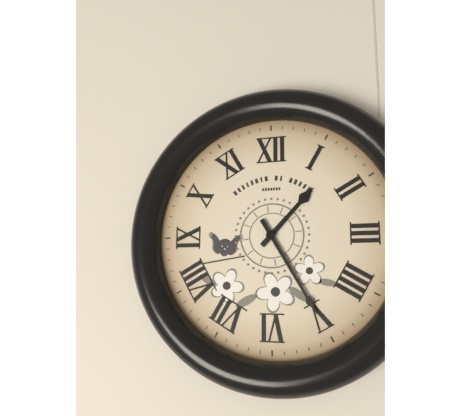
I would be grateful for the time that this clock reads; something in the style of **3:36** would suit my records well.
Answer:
**1:25**
